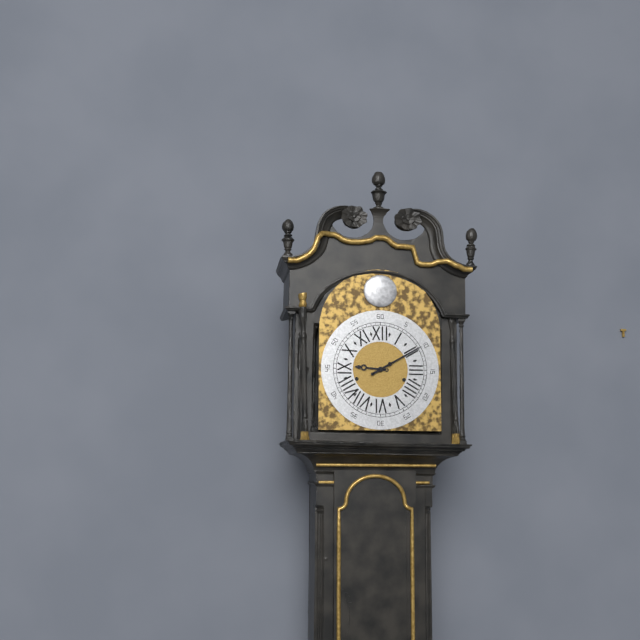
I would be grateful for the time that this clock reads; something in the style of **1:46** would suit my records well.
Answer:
**9:10**
